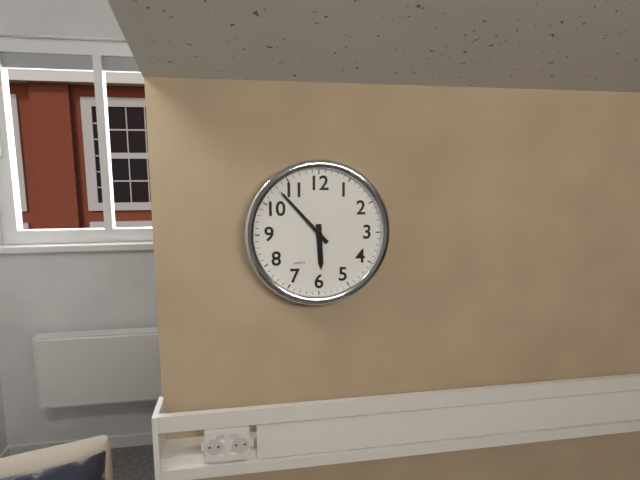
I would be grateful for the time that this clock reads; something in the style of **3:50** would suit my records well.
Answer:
**5:53**
